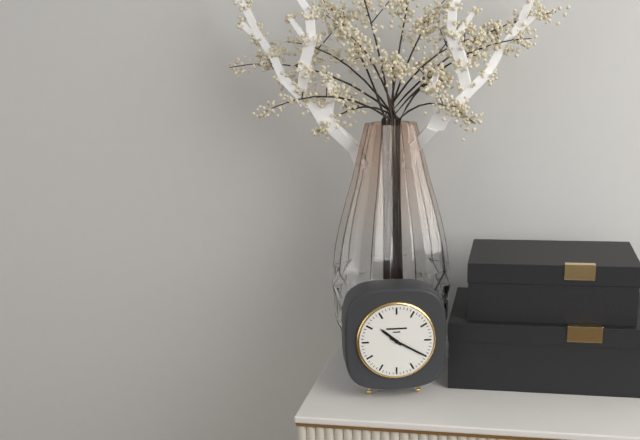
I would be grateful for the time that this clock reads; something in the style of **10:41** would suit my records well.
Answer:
**10:20**
